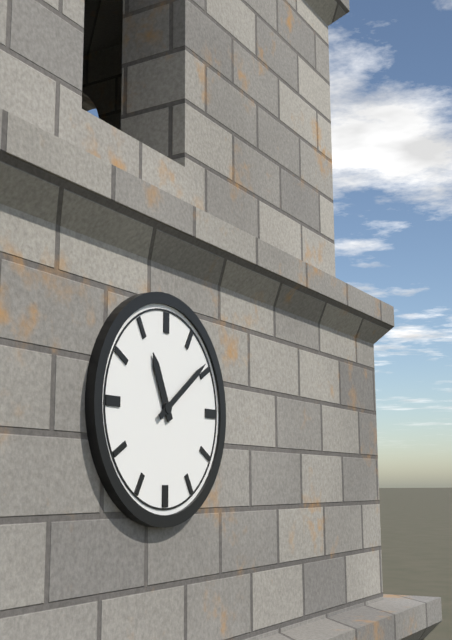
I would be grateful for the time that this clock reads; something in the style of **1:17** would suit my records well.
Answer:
**11:09**
